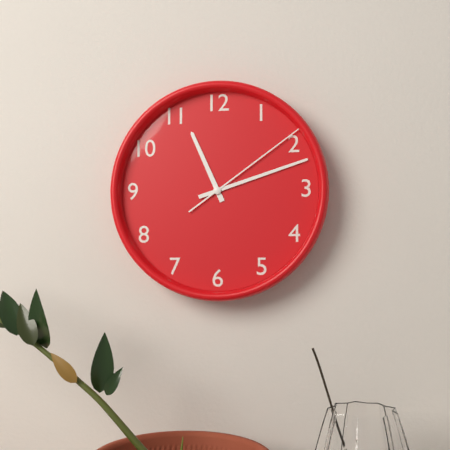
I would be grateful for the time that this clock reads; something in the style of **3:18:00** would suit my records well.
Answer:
**11:12:09**
